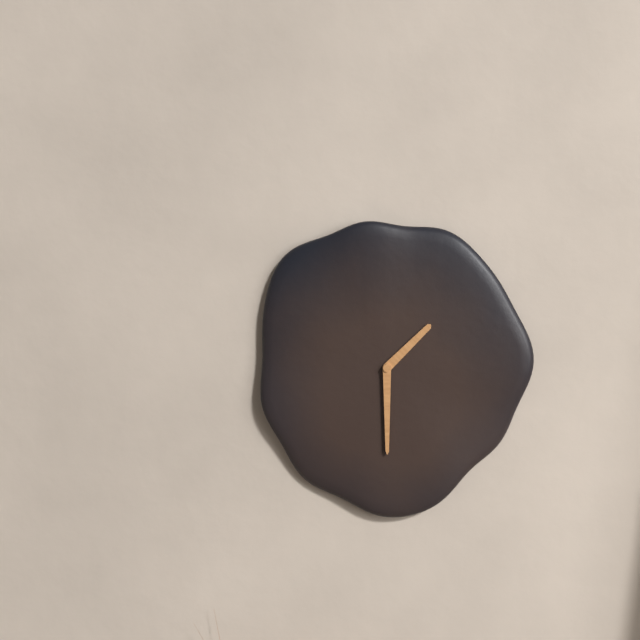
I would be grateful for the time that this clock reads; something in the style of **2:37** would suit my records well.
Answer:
**1:30**
